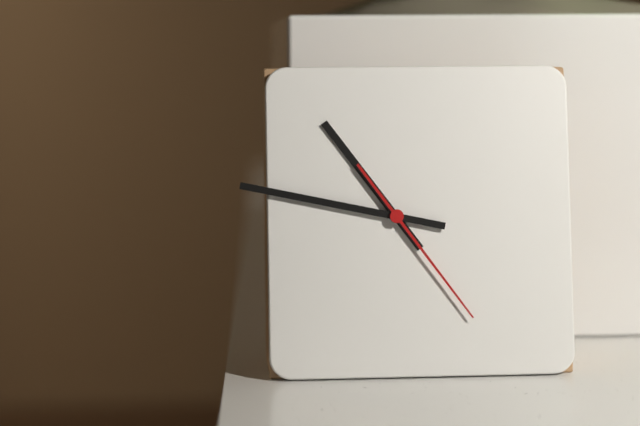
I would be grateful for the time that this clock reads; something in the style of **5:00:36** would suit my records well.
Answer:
**10:47:24**
